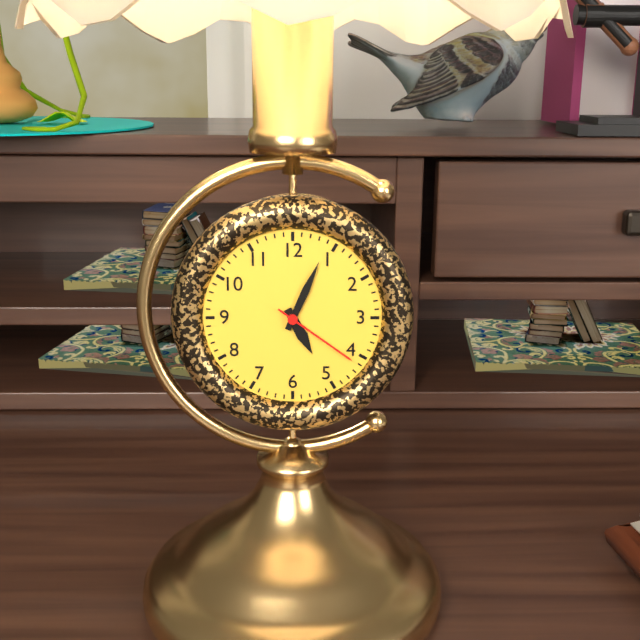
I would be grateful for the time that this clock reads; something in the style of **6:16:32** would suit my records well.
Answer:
**5:04:21**
